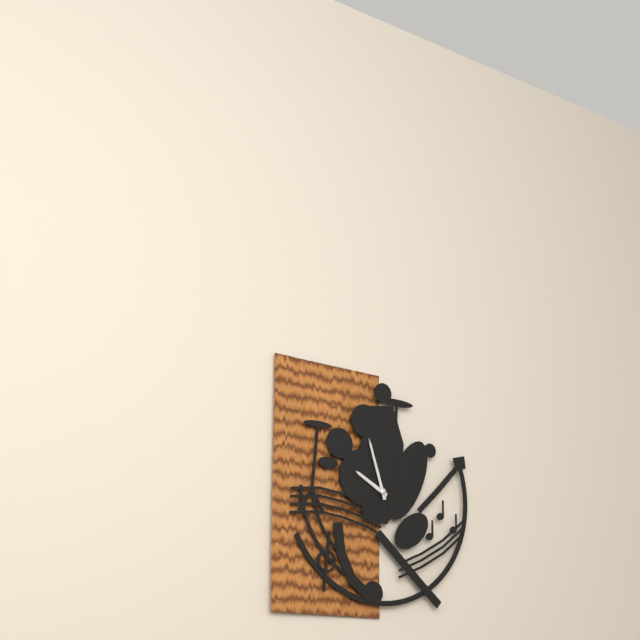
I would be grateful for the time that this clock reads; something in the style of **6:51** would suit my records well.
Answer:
**9:57**
